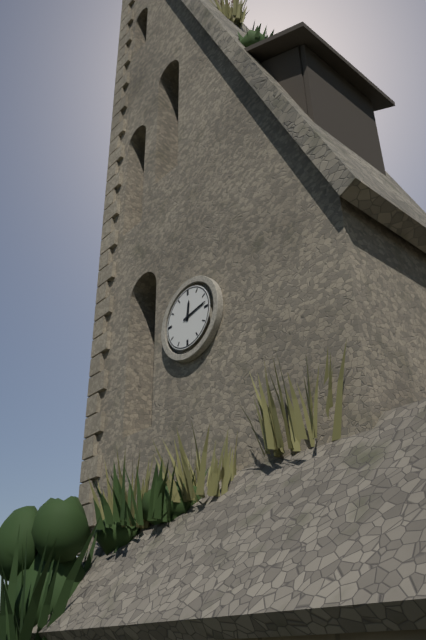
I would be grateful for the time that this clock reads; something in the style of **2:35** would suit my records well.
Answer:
**12:13**
